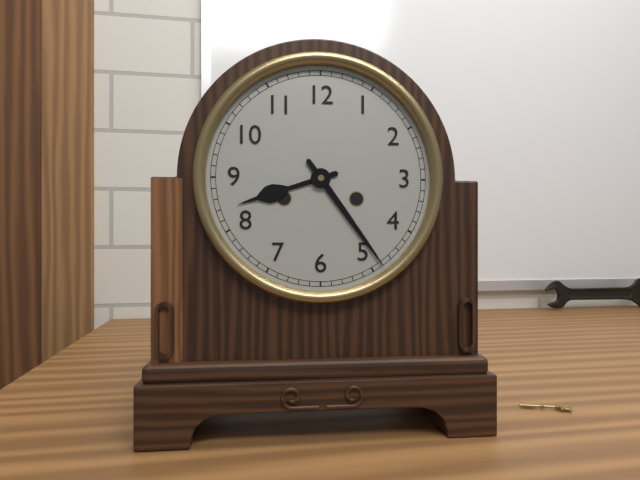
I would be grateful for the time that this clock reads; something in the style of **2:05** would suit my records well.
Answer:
**8:24**
